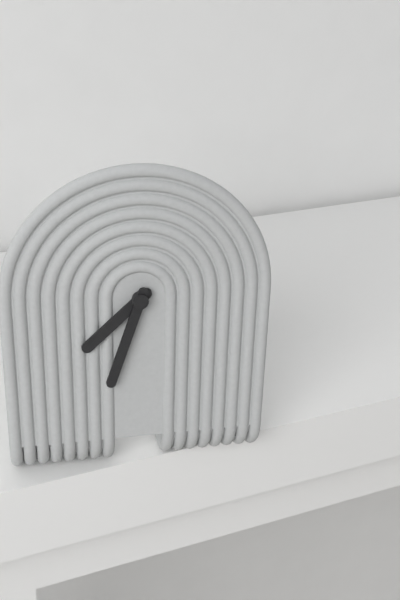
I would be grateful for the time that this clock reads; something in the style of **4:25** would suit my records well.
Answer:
**7:33**
